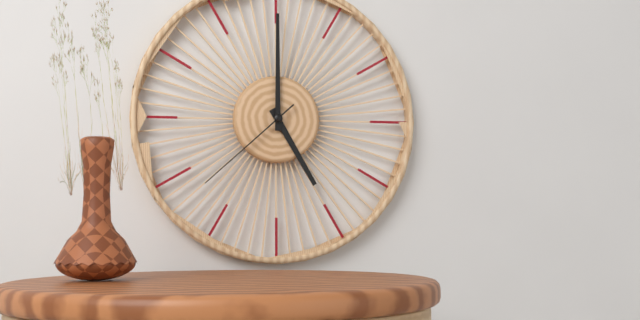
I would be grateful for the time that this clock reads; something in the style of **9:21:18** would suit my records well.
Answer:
**5:00:38**
